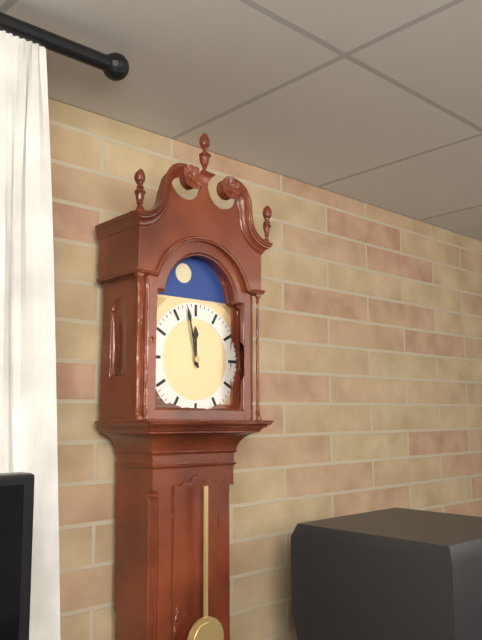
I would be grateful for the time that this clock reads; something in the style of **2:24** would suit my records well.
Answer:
**11:58**
